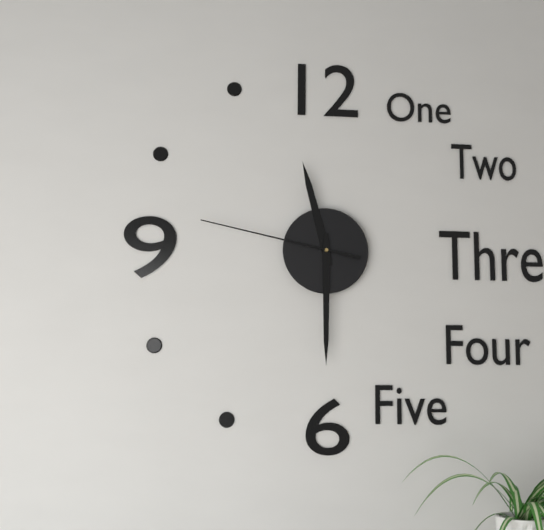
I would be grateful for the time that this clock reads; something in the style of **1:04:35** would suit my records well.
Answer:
**11:30:47**
